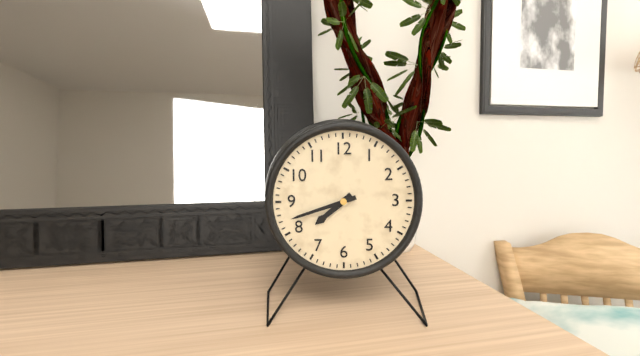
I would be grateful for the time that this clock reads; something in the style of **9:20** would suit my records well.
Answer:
**7:42**
